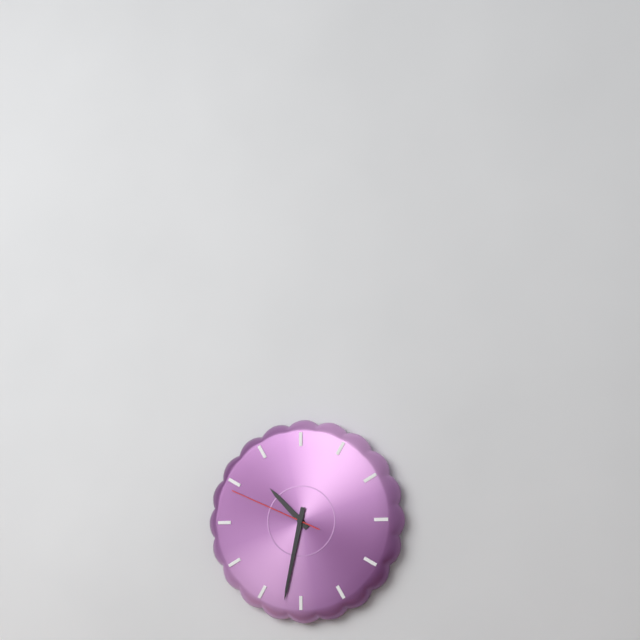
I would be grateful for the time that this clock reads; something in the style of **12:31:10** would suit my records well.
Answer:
**10:32:49**
